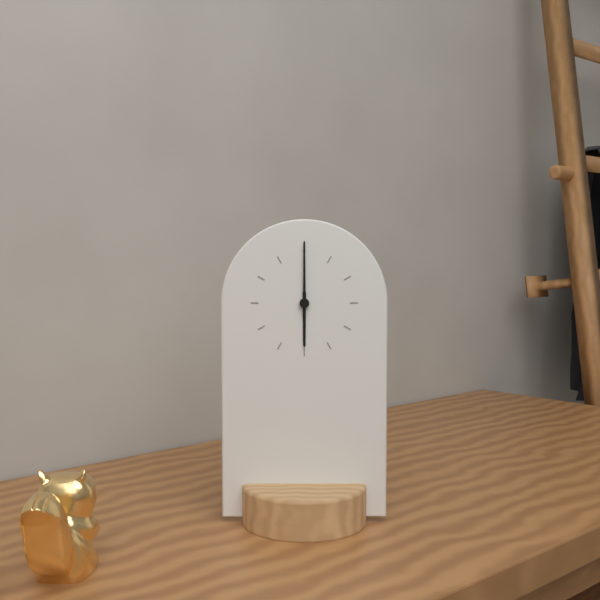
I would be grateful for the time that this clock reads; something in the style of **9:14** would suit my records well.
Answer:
**6:00**
